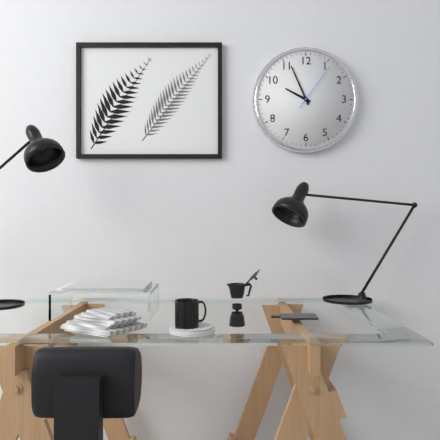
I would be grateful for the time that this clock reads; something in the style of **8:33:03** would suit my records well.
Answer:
**9:56:06**
